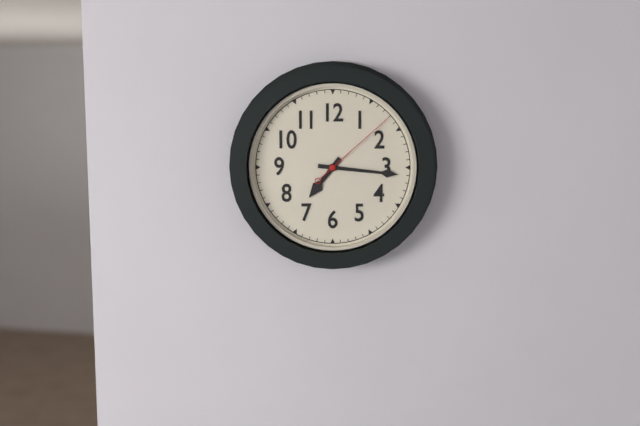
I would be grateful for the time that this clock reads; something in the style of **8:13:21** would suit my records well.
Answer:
**7:16:08**
